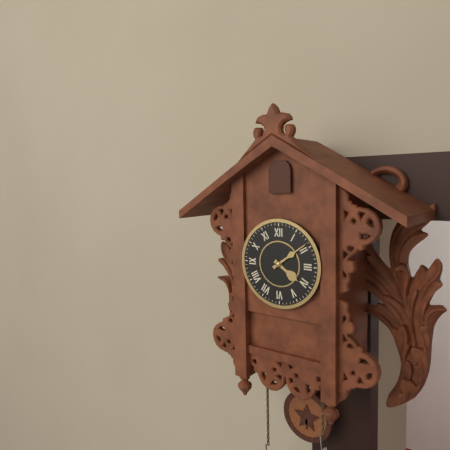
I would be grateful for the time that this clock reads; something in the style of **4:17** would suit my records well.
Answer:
**4:09**
